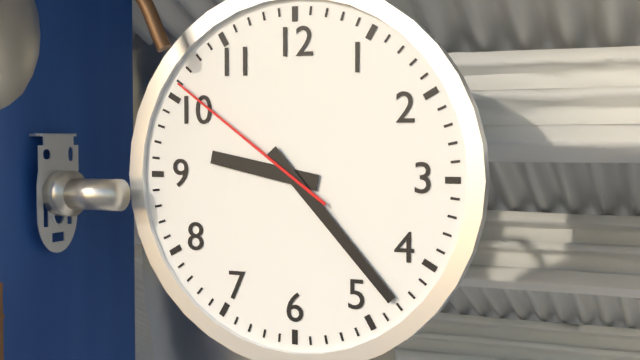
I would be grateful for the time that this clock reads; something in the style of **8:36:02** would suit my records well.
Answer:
**9:23:51**
